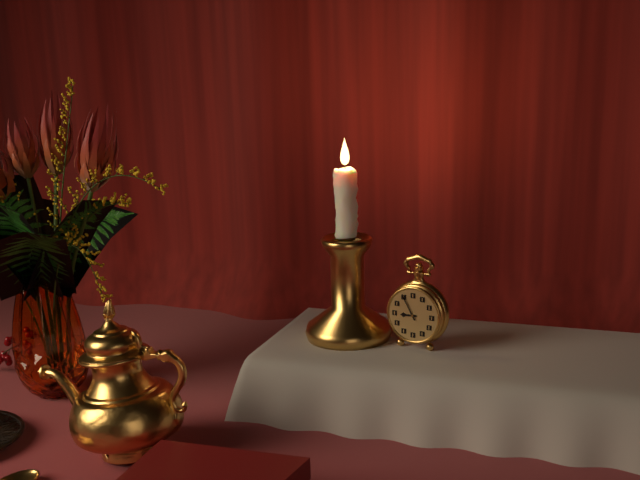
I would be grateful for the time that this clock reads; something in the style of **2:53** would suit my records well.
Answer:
**8:55**
